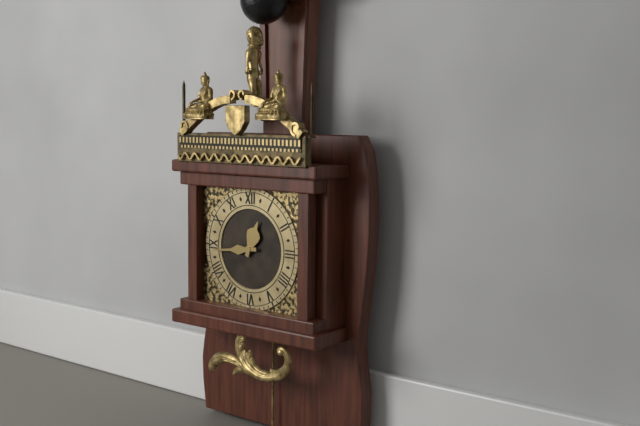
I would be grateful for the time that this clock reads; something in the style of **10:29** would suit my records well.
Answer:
**12:44**
